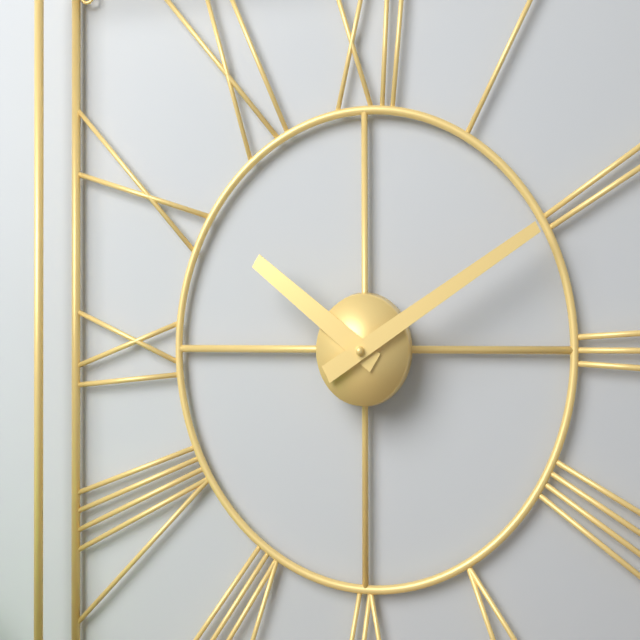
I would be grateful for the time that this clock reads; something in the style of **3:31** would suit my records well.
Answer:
**10:10**
